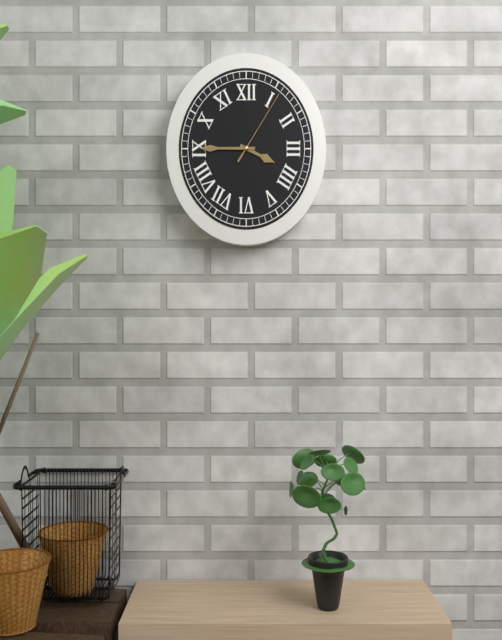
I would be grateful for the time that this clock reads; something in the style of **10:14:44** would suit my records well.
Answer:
**3:45:06**
